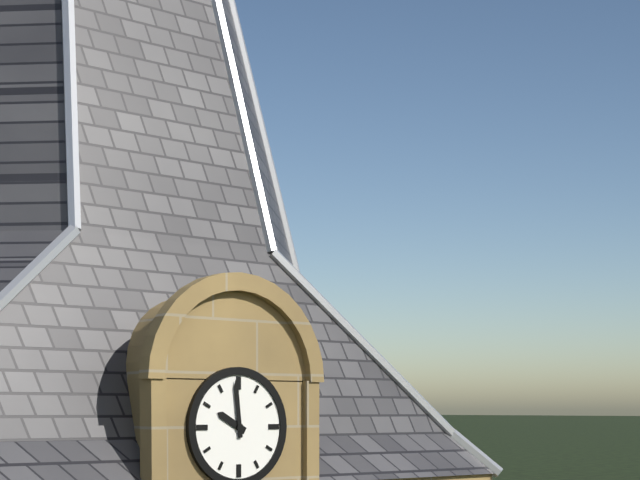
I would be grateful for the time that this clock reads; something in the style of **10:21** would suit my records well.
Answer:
**9:59**
